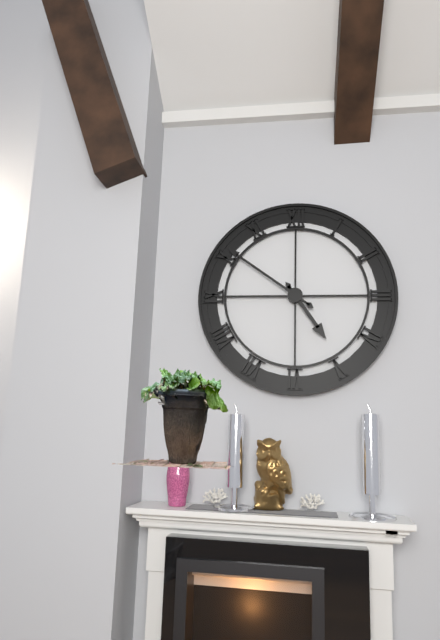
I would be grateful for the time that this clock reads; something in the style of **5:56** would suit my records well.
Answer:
**4:51**
